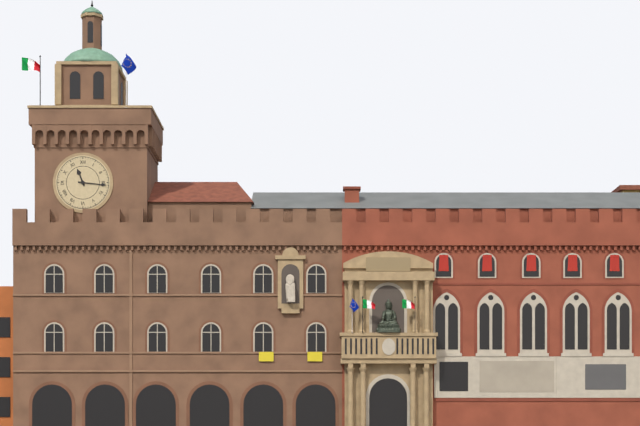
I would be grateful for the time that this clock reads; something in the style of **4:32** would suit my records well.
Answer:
**11:16**
